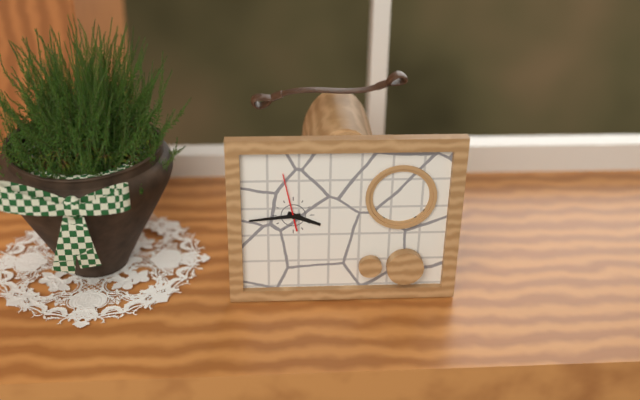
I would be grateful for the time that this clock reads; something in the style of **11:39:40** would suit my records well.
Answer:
**3:44:58**
